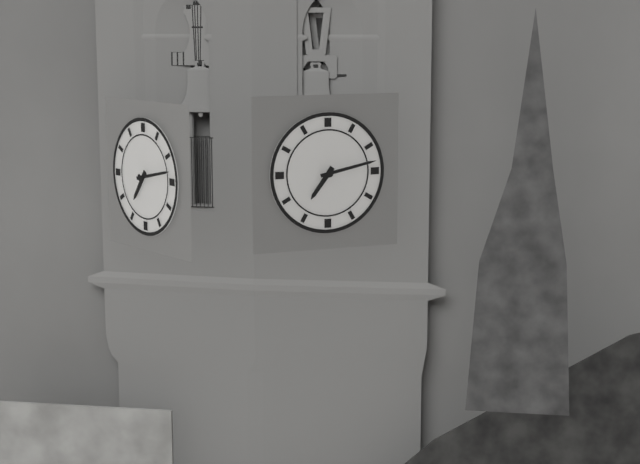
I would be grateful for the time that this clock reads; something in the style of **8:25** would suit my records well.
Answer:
**7:13**
